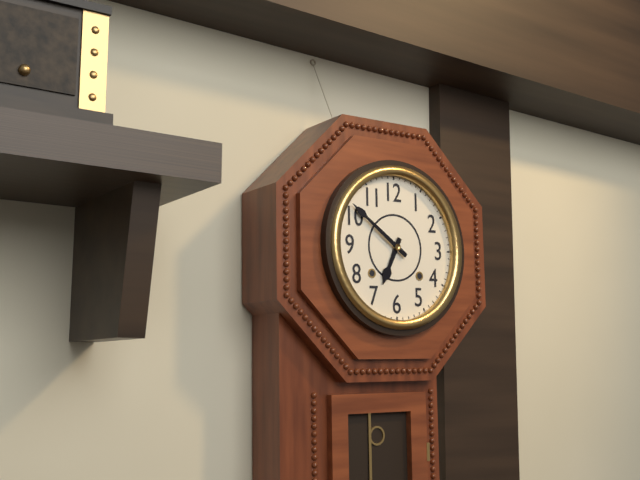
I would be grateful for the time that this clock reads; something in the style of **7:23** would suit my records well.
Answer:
**6:51**
